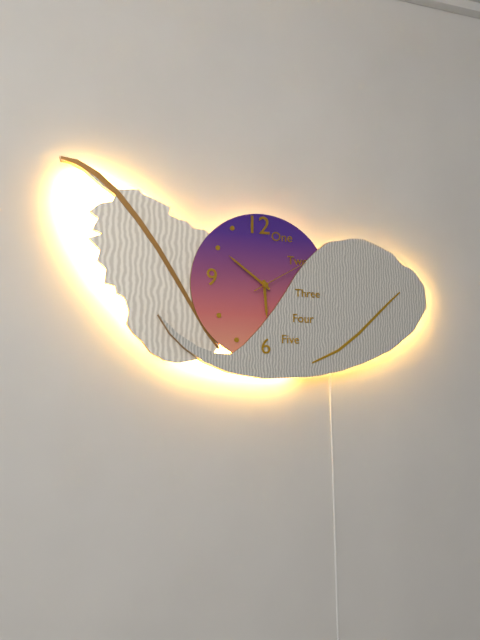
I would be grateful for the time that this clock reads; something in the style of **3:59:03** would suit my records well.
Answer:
**5:51:10**
